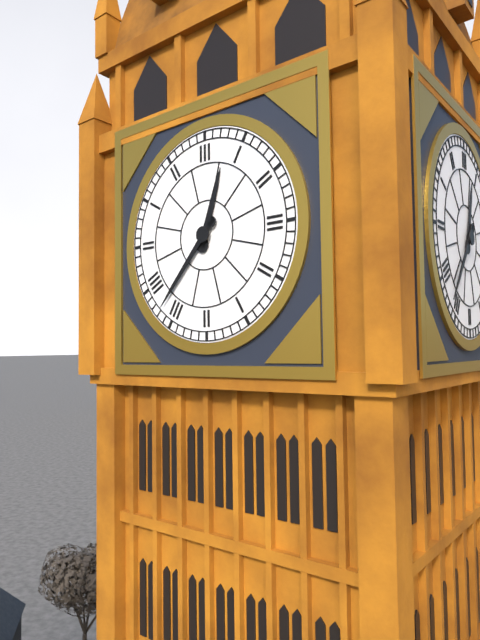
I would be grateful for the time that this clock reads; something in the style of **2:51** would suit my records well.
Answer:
**12:37**
